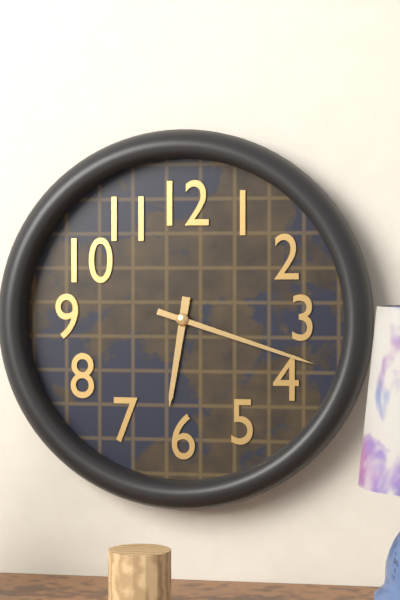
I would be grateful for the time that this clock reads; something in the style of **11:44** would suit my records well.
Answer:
**6:18**
